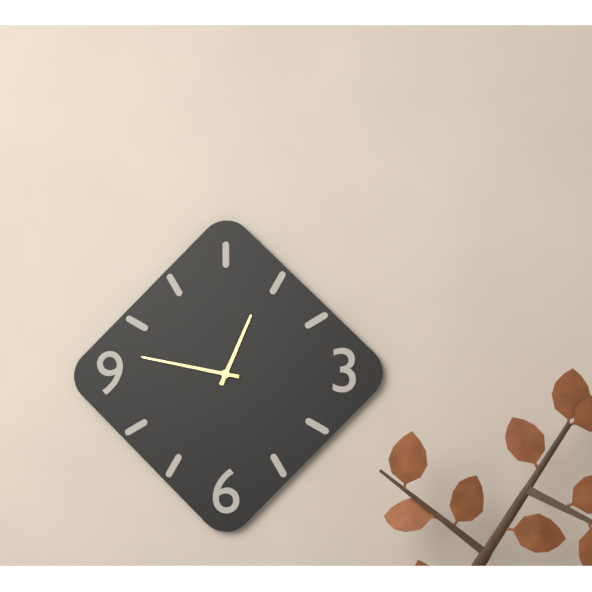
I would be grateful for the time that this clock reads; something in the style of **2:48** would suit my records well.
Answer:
**12:47**
